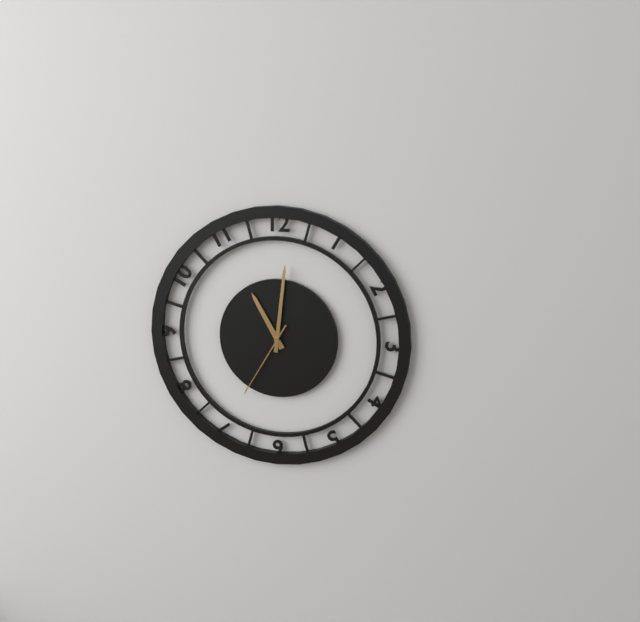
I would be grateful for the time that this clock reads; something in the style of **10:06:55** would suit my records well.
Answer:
**11:01:35**
